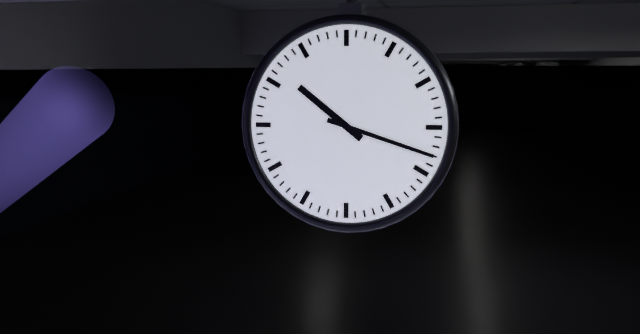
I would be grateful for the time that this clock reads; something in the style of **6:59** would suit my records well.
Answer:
**10:18**
